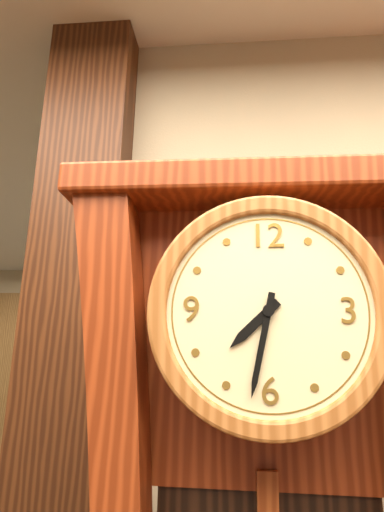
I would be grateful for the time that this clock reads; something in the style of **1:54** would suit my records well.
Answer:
**7:32**
